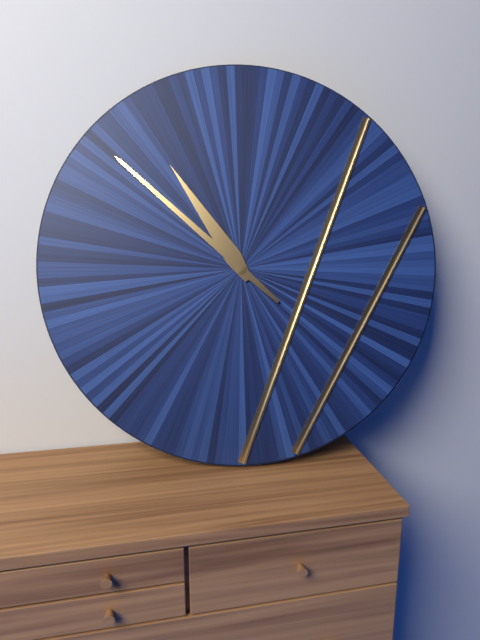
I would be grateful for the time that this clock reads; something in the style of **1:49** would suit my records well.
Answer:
**10:52**
